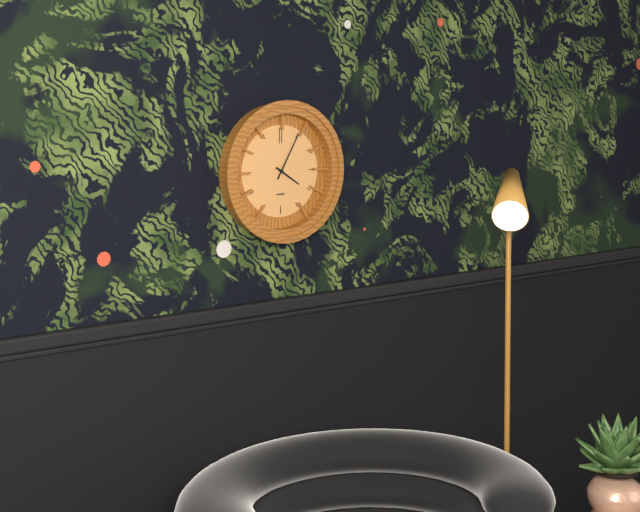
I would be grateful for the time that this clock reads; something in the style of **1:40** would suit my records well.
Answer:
**4:05**
